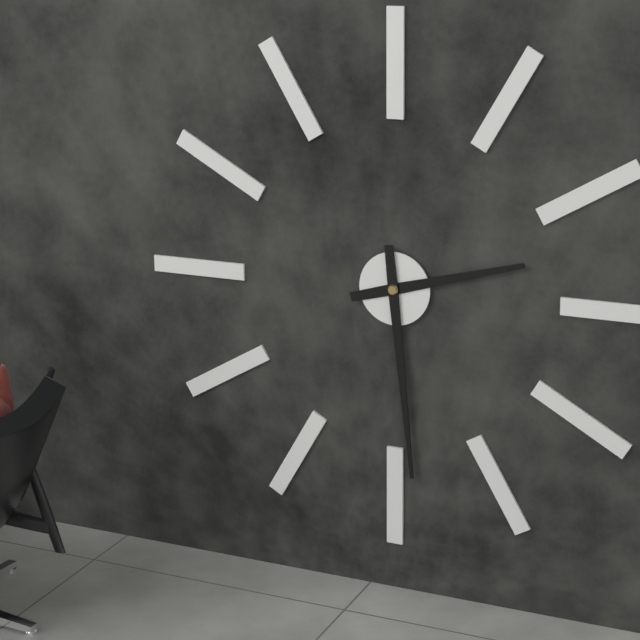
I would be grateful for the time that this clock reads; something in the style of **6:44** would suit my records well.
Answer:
**2:29**
